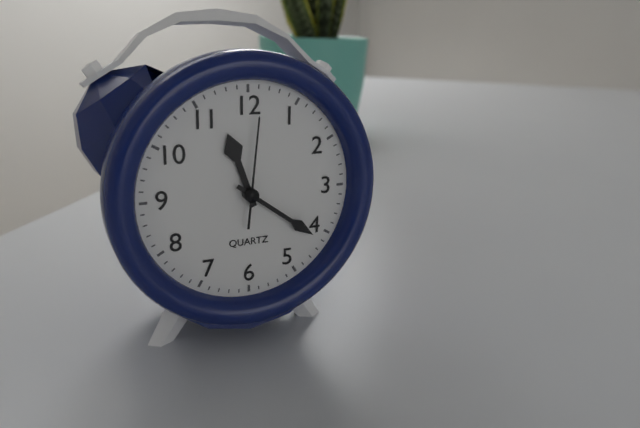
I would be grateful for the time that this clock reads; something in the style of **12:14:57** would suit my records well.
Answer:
**11:21:01**
